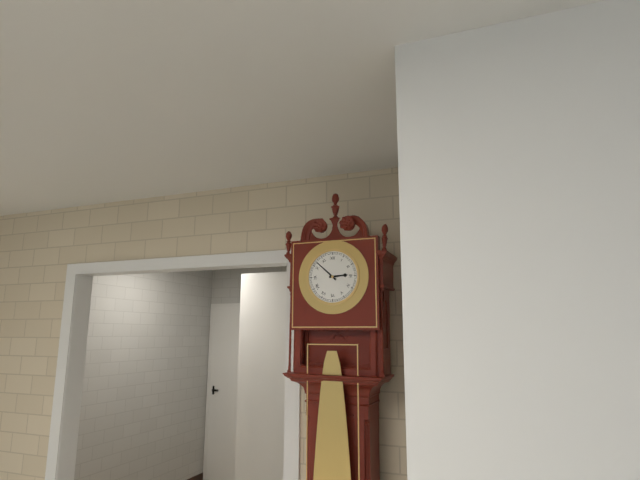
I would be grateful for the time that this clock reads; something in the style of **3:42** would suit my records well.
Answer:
**2:52**
